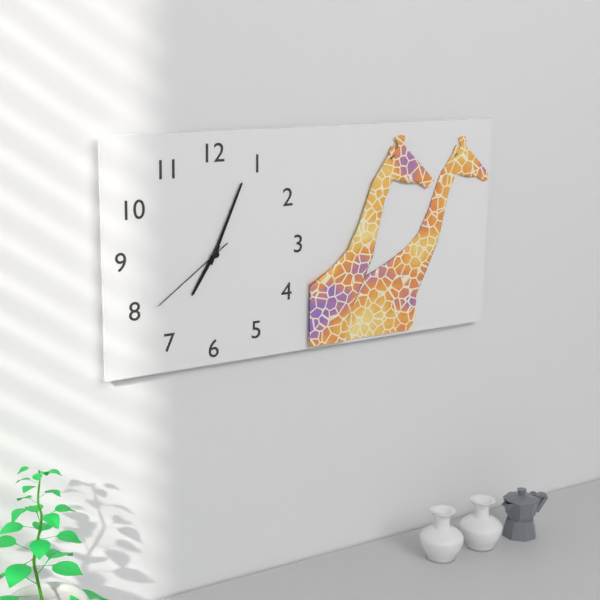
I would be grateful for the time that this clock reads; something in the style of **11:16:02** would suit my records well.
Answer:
**7:04:39**
